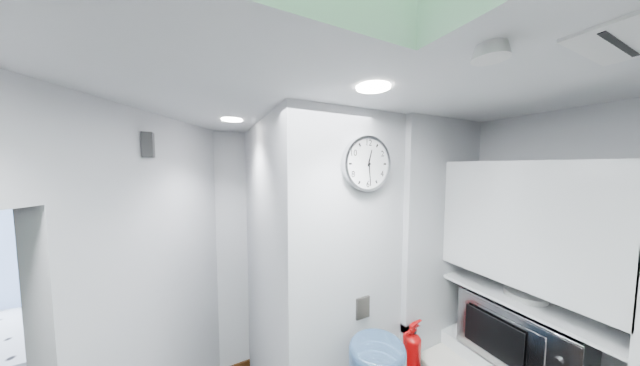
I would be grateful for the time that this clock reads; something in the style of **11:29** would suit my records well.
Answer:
**12:29**
